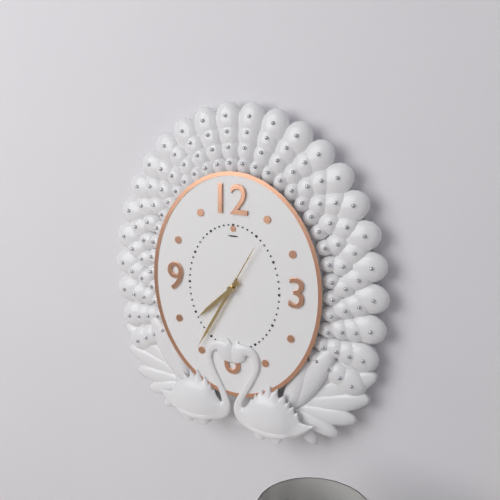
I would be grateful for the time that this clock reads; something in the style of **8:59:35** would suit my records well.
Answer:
**7:35:05**
